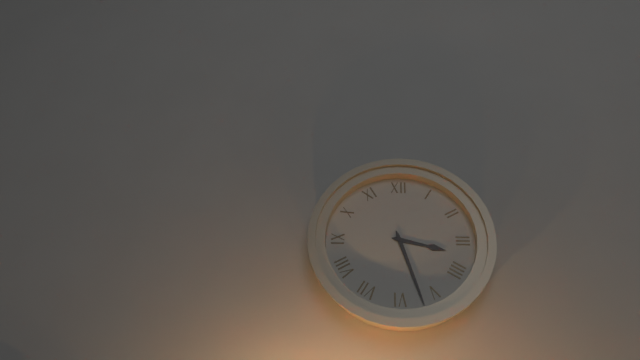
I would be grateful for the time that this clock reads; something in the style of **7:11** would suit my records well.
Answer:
**3:27**
